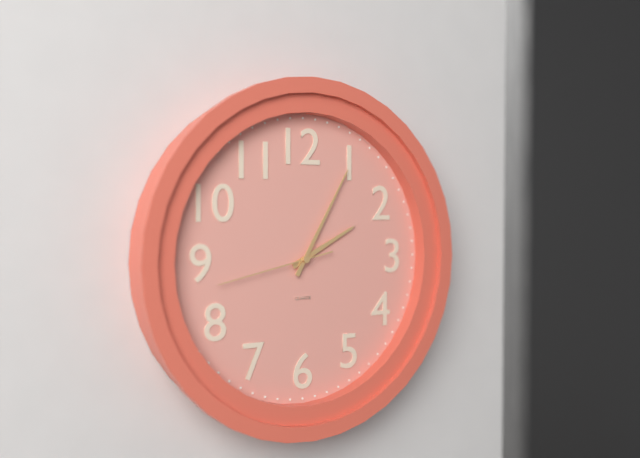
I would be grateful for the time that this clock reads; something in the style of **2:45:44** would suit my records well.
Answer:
**2:05:43**
